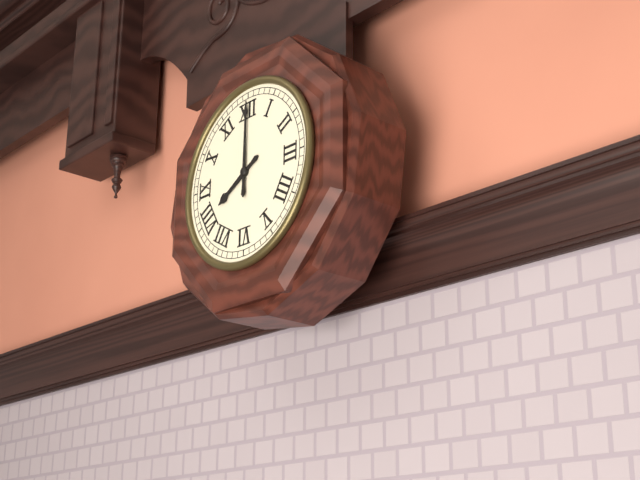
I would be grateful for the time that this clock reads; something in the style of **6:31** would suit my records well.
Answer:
**8:00**
